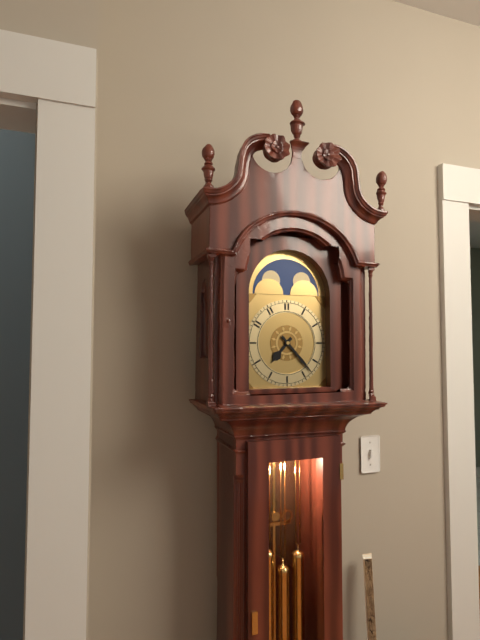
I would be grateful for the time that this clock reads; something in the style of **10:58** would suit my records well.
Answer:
**7:23**
